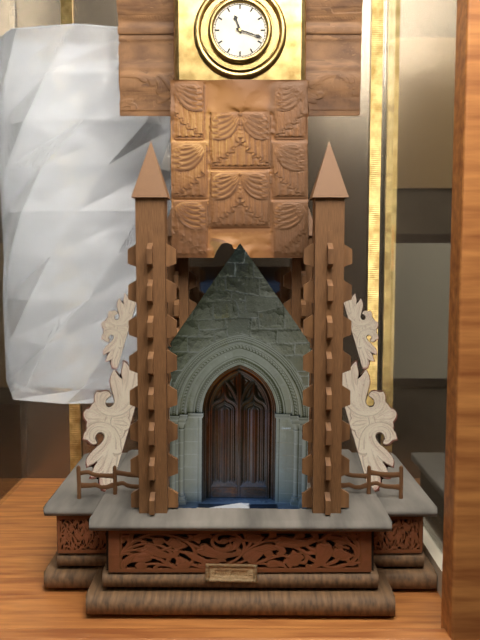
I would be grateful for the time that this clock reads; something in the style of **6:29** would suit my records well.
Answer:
**11:18**
